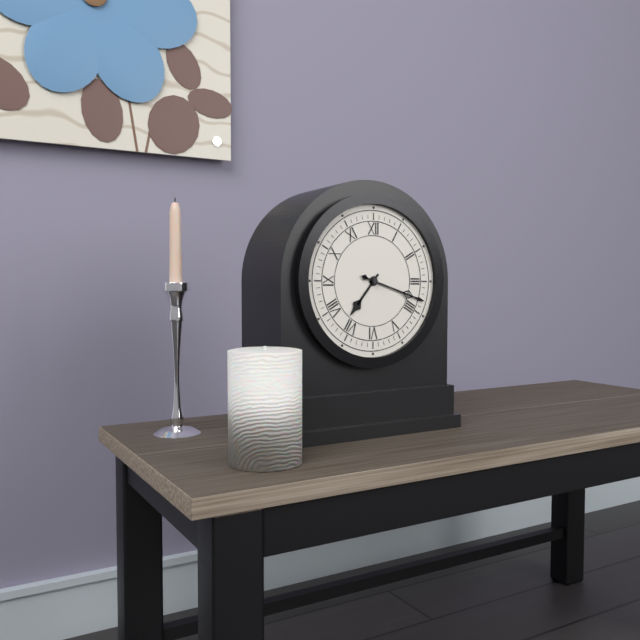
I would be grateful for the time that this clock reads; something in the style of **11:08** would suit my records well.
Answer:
**7:18**
